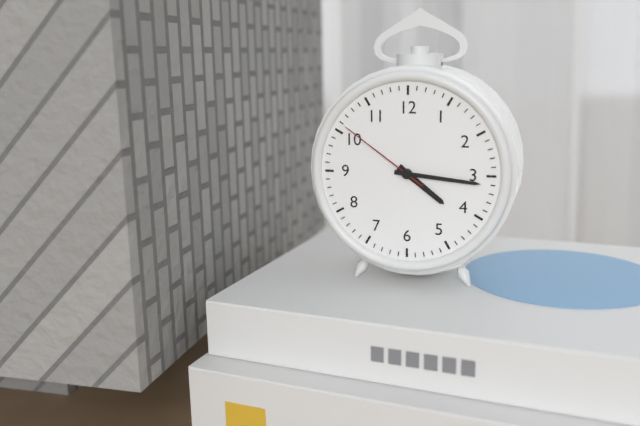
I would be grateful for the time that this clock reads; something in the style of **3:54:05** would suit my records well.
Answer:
**4:16:51**
